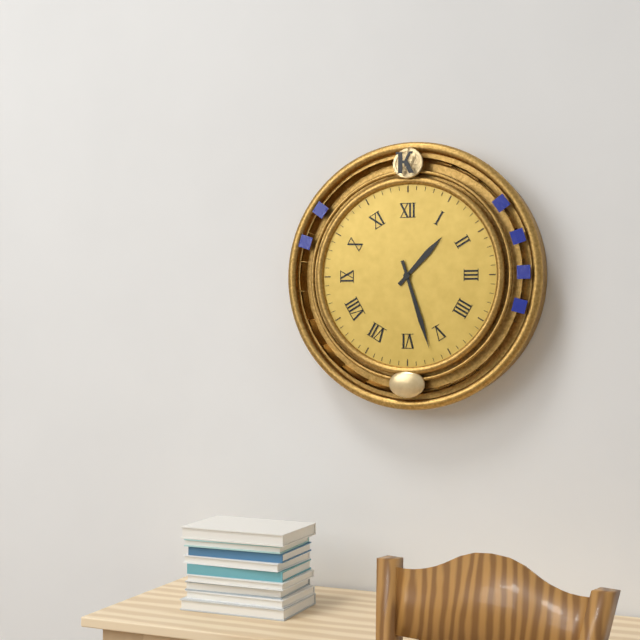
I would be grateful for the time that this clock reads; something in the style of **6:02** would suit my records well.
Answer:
**1:27**
